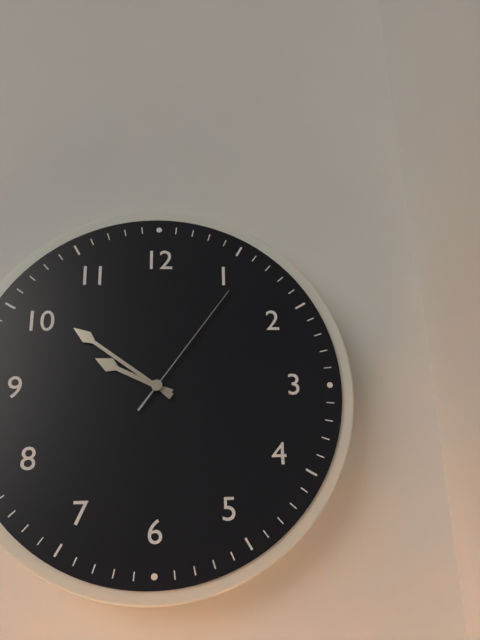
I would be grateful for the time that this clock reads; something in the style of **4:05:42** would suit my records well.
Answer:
**9:51:06**
